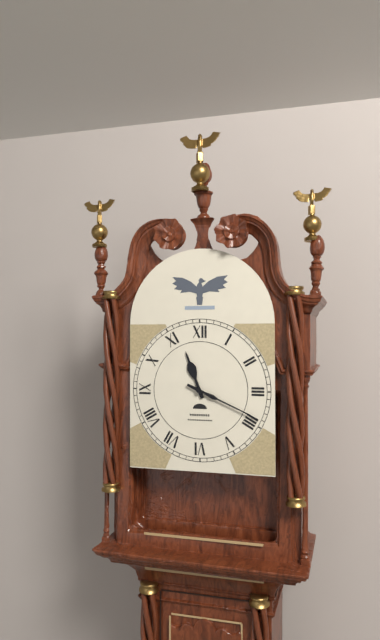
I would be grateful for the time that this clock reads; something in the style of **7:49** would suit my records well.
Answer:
**11:19**
